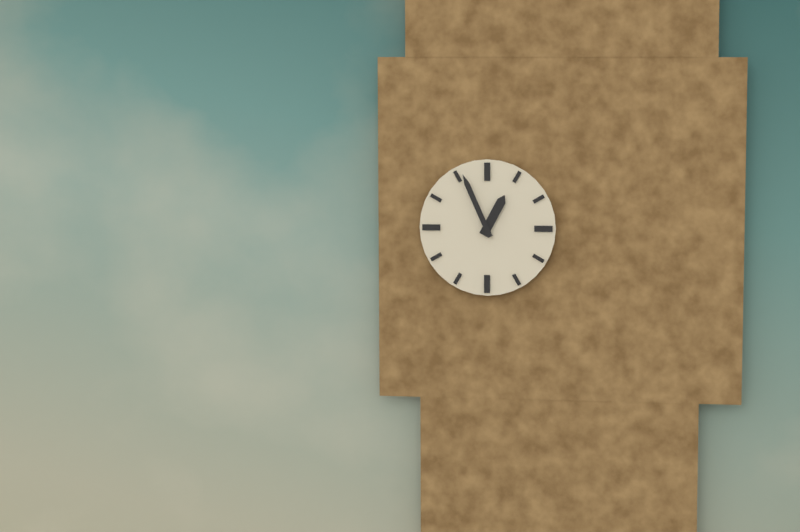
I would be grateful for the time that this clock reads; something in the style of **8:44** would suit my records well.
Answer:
**12:56**
